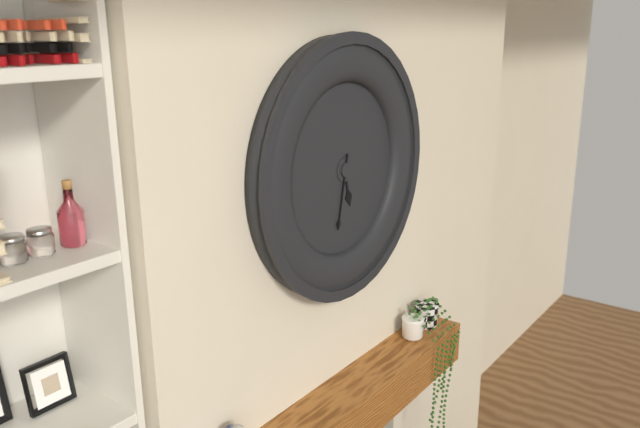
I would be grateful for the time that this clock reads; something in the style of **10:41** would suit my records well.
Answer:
**5:32**
